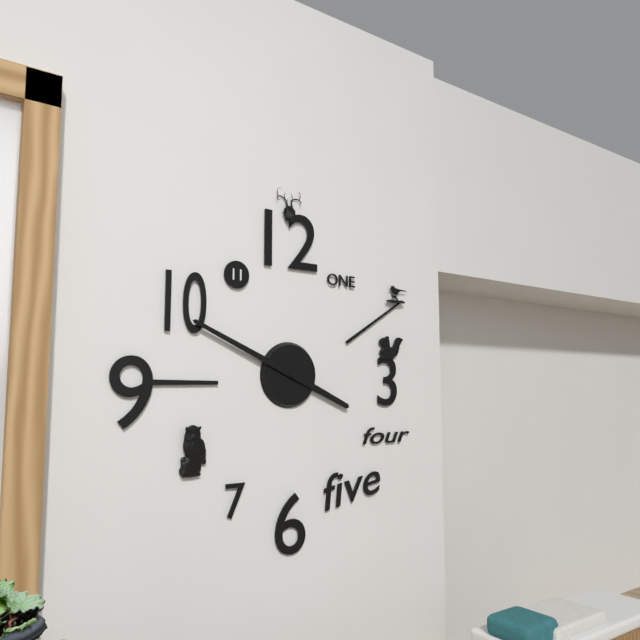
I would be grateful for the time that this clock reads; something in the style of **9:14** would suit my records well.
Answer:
**3:49**
